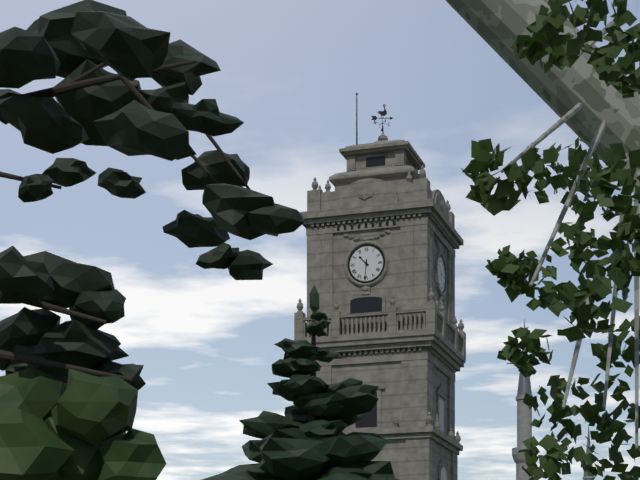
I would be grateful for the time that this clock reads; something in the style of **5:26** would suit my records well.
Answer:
**10:31**
